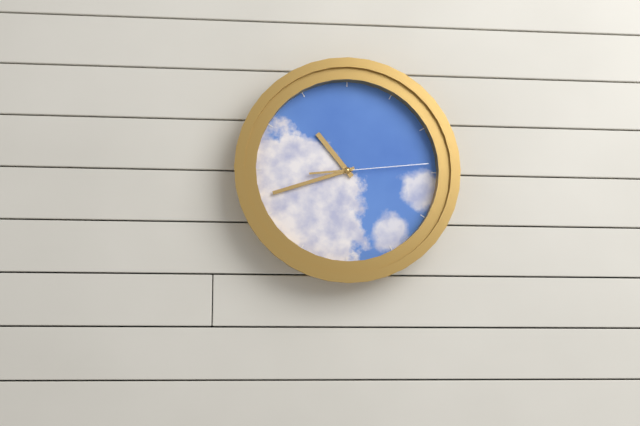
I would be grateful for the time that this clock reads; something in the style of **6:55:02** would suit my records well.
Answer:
**10:42:14**
